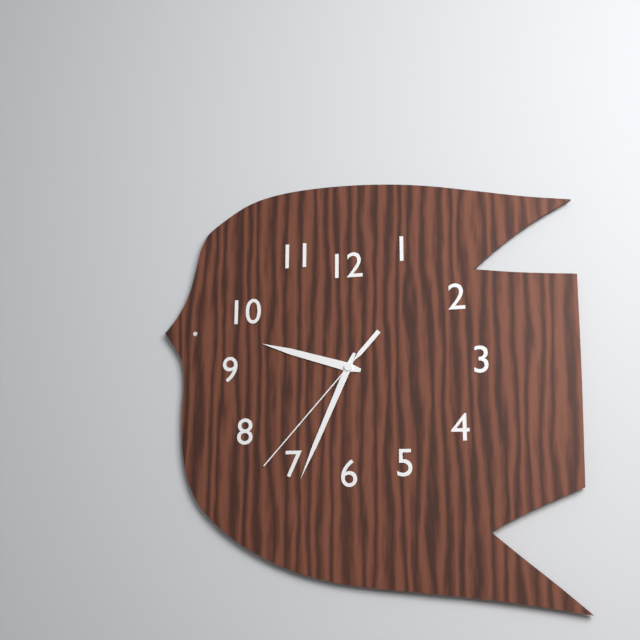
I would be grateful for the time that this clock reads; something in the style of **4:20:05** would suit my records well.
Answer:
**9:34:37**
